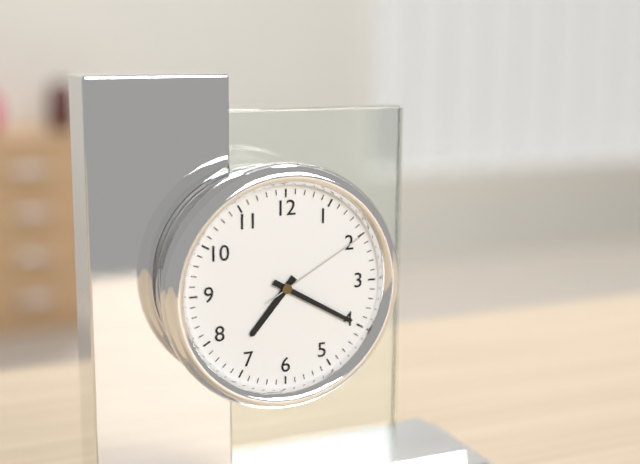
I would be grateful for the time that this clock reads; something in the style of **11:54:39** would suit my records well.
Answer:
**7:20:10**
